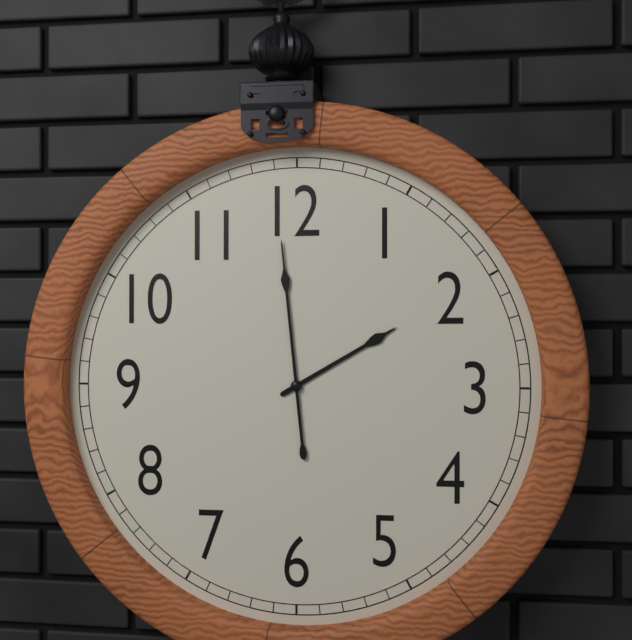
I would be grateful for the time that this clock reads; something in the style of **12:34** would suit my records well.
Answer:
**1:59**
